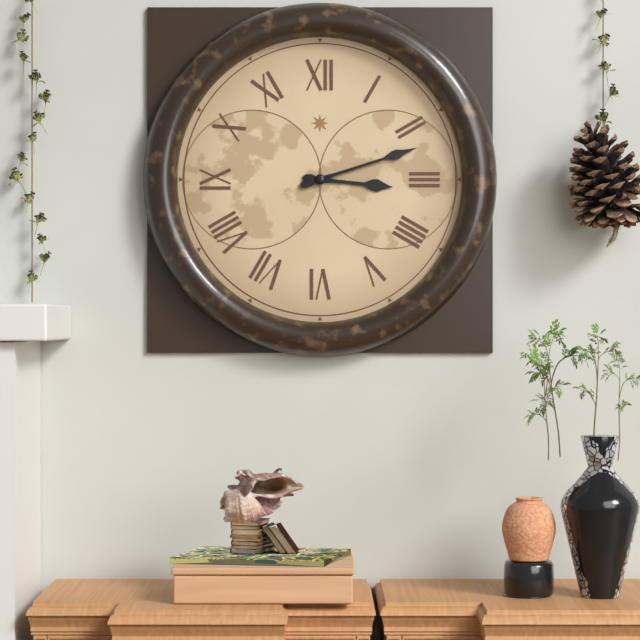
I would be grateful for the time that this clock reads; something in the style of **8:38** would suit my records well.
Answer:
**3:12**
